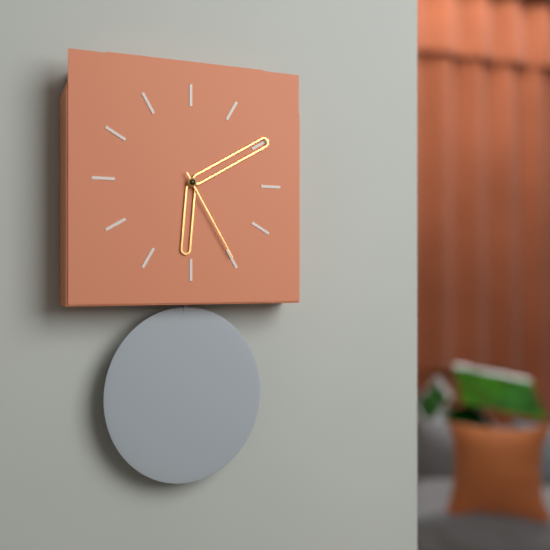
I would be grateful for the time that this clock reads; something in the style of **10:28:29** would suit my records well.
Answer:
**6:10:25**
